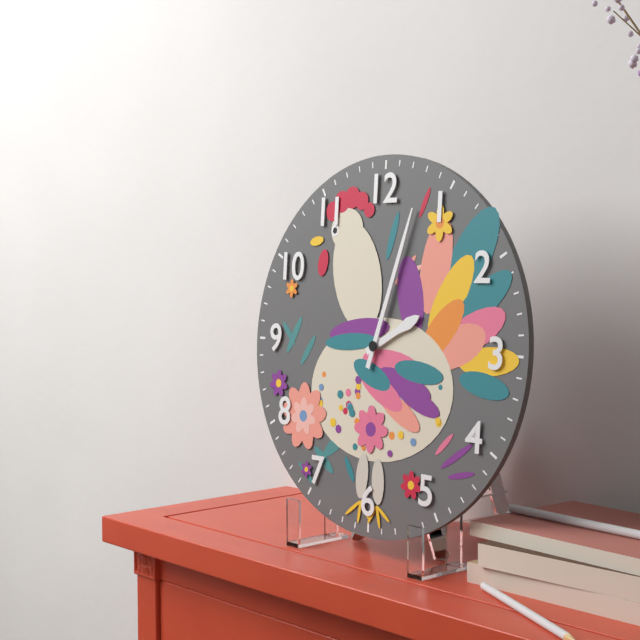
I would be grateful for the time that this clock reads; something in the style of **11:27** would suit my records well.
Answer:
**2:03**
